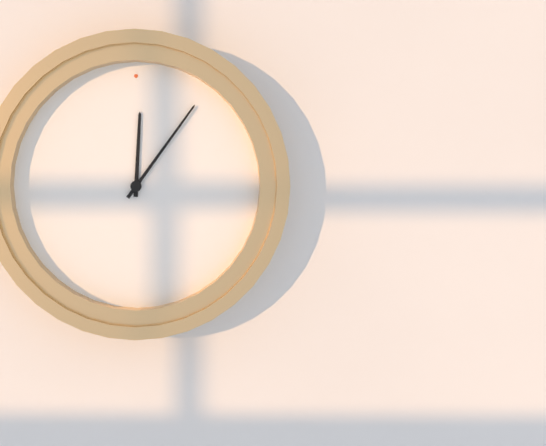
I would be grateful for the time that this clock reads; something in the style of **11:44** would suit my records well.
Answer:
**12:06**
